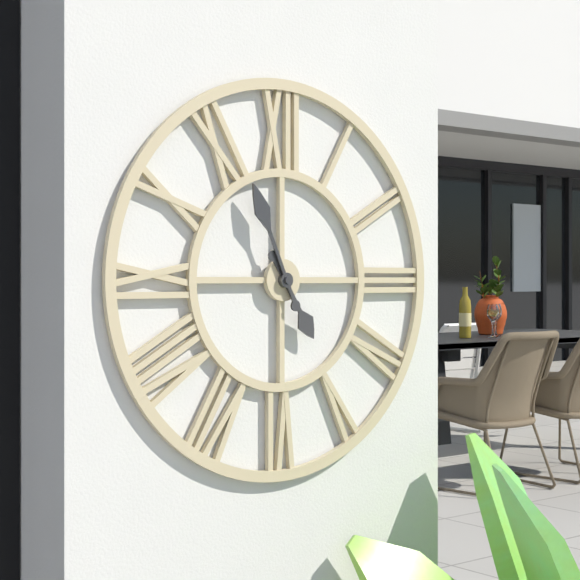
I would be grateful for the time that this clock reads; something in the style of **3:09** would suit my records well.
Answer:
**4:56**
